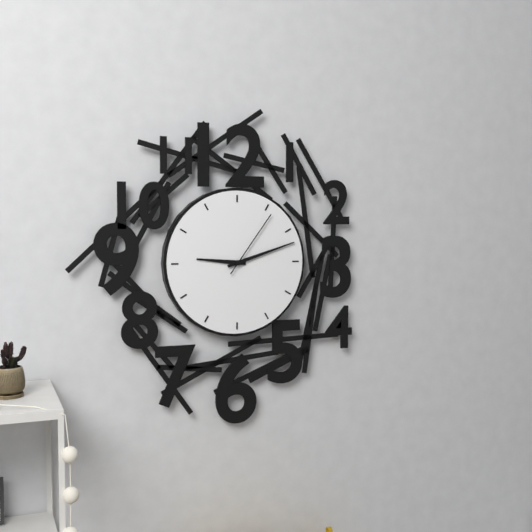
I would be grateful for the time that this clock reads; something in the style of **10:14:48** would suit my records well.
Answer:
**9:12:06**
